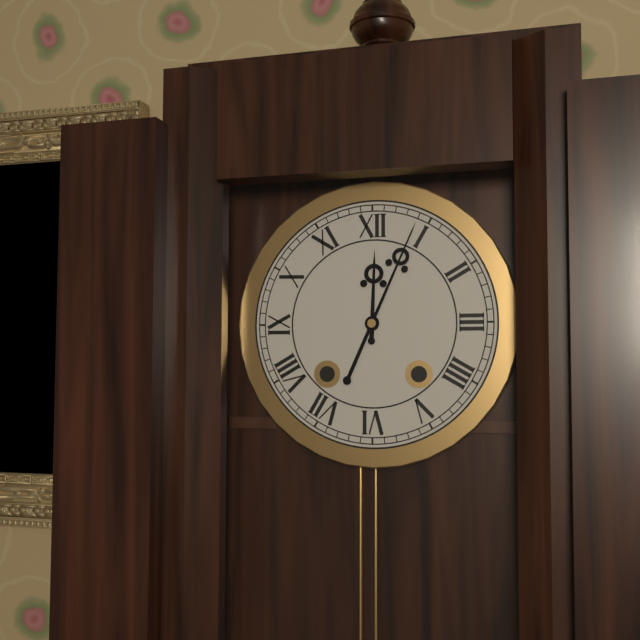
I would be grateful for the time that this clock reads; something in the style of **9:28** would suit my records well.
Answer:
**12:04**
